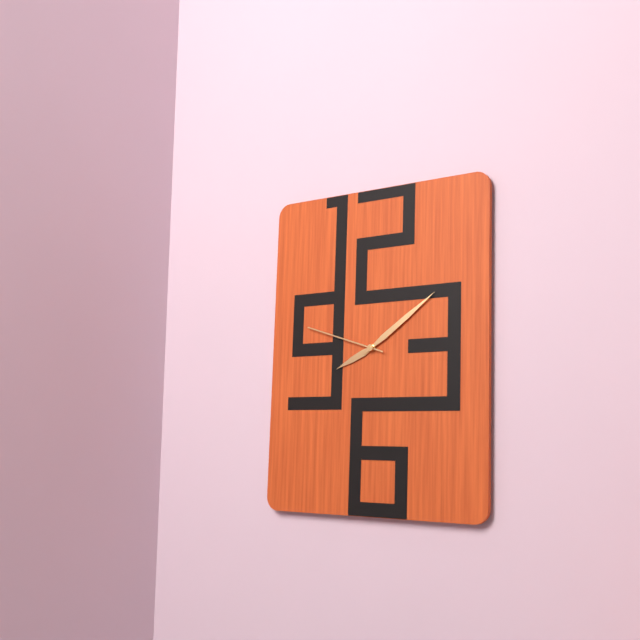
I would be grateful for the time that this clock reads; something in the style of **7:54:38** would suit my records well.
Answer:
**8:09:48**
